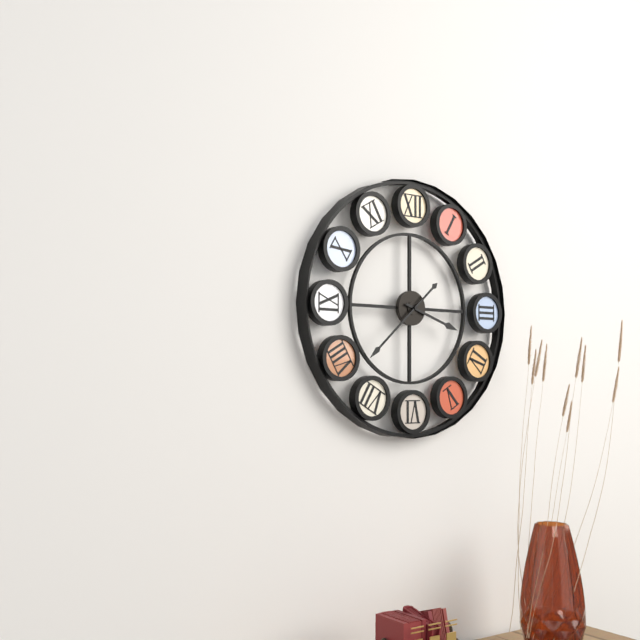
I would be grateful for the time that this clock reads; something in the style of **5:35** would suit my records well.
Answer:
**3:38**
